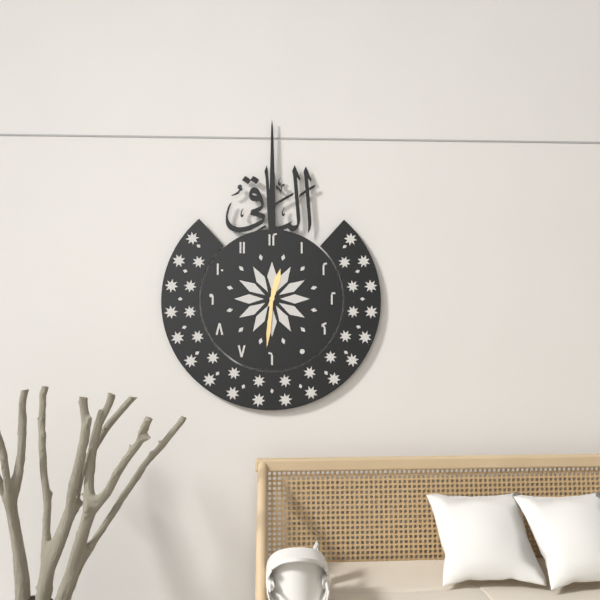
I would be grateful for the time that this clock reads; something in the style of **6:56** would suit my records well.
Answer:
**12:31**
